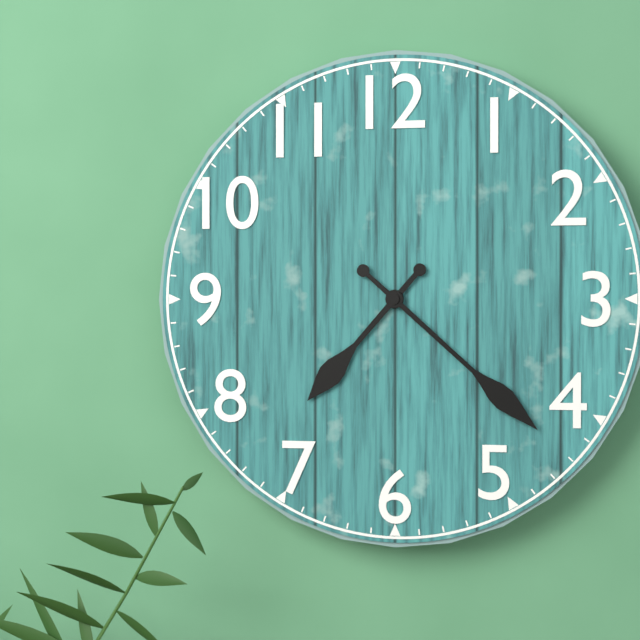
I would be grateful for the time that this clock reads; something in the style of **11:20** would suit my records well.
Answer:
**7:22**
